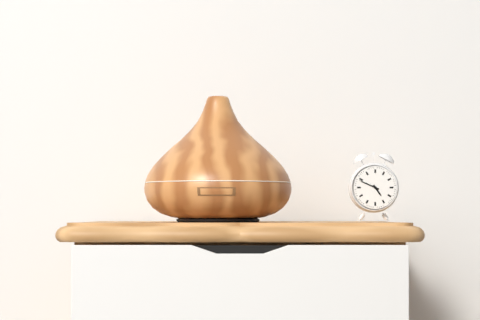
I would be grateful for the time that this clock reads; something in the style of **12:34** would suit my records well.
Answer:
**4:49**
